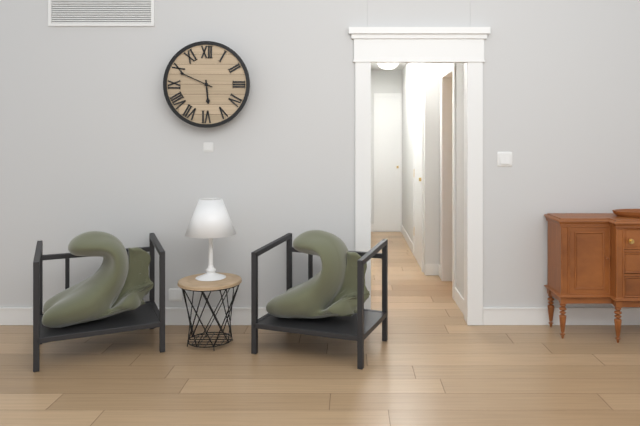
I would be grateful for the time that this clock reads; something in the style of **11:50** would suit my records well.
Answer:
**5:49**
